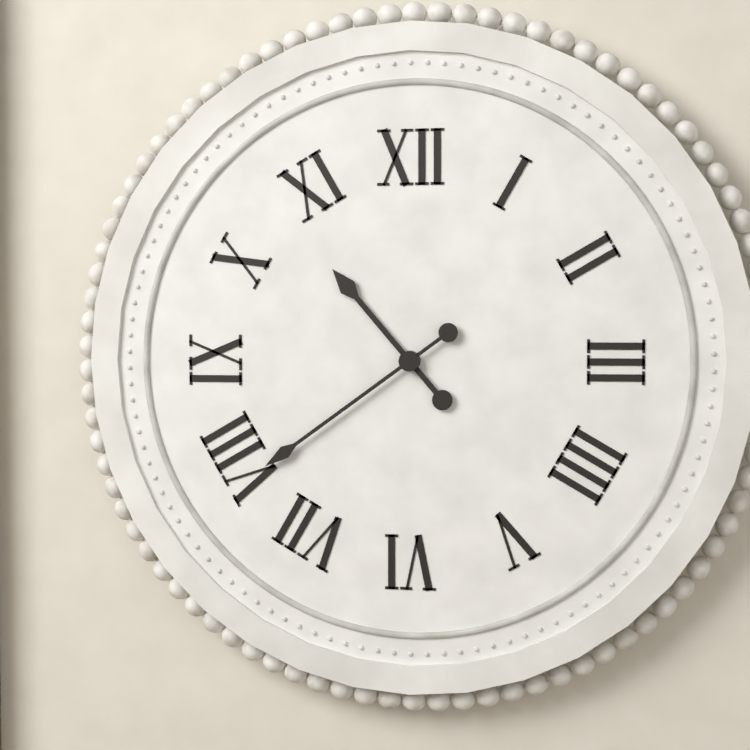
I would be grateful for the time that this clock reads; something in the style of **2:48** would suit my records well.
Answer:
**10:39**
